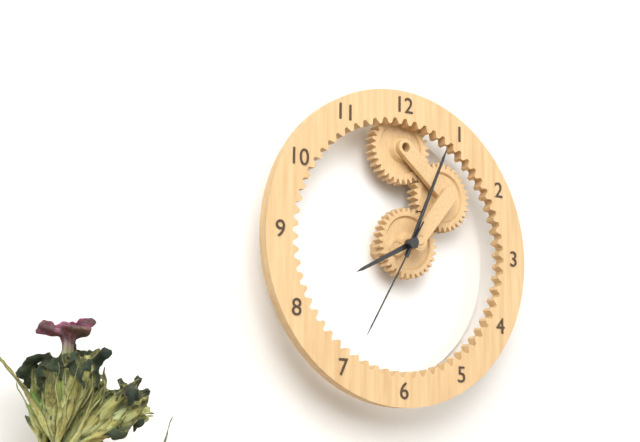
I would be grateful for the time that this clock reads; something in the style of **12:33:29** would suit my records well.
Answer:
**8:04:35**
